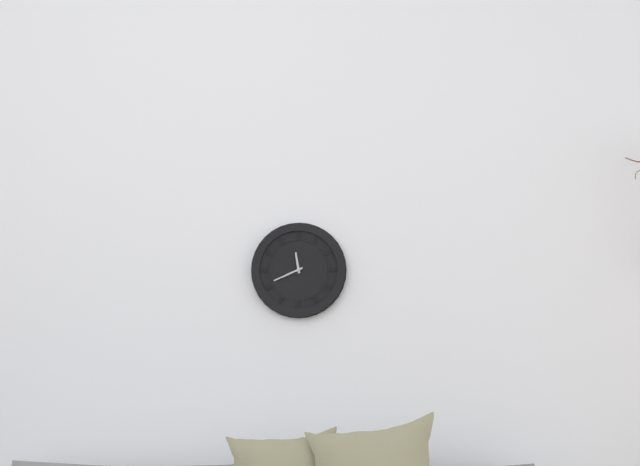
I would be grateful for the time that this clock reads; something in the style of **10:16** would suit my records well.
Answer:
**11:41**
